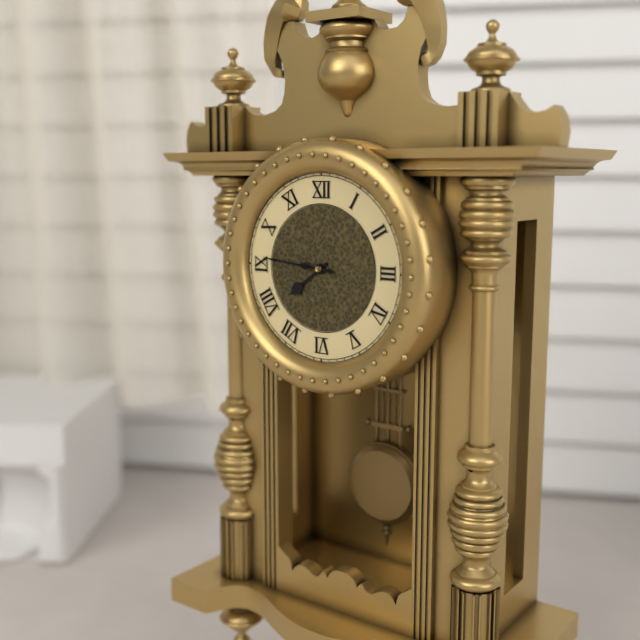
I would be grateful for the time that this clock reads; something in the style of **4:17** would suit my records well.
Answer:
**7:46**
